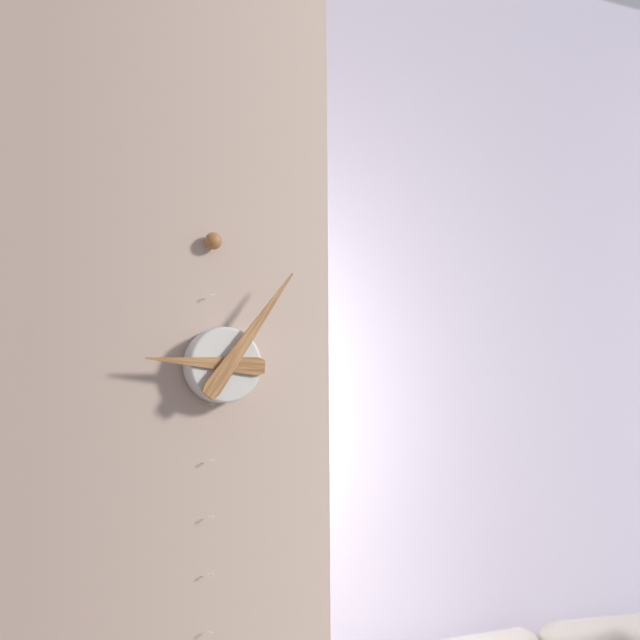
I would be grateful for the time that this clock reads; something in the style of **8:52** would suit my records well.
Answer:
**9:06**
